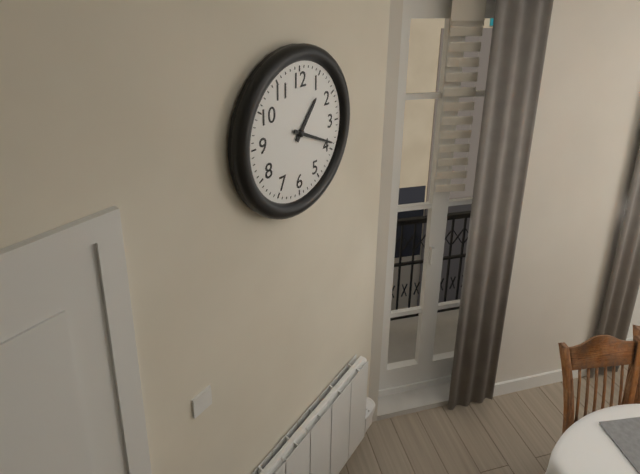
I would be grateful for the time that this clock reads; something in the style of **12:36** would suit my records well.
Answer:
**1:19**
